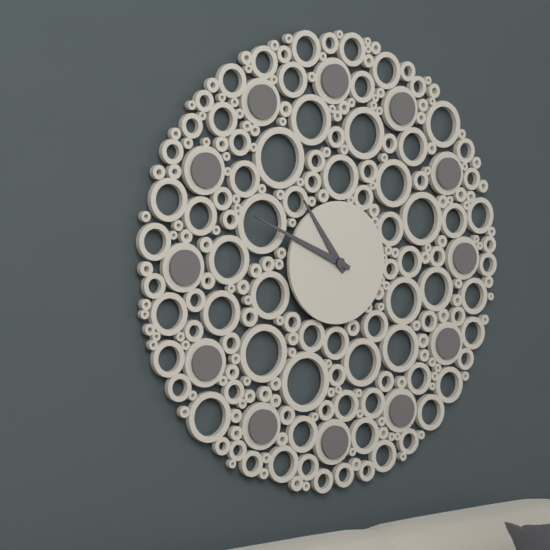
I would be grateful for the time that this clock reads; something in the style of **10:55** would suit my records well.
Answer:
**10:49**
